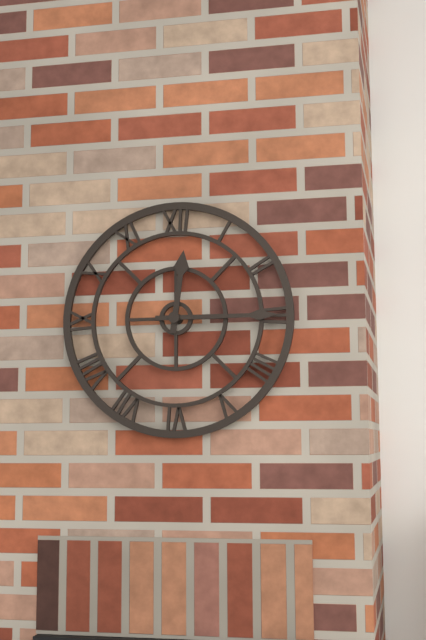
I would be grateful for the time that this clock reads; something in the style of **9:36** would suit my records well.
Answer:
**12:15**
